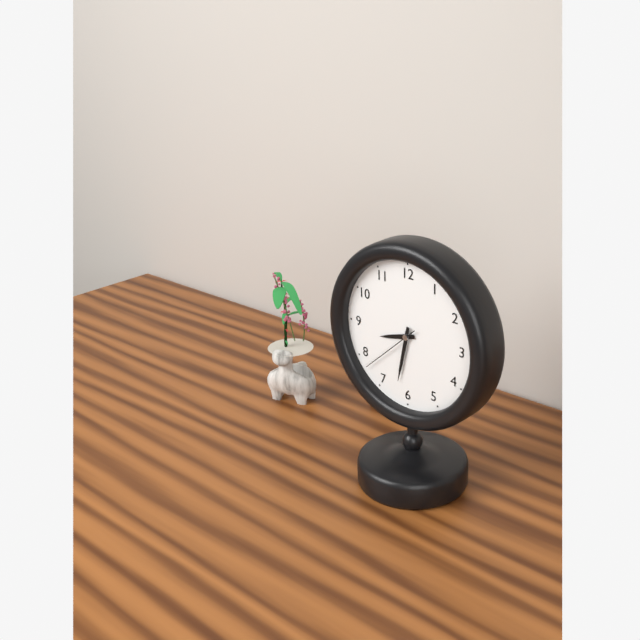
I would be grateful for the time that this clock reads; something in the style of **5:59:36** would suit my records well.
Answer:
**8:32:38**
